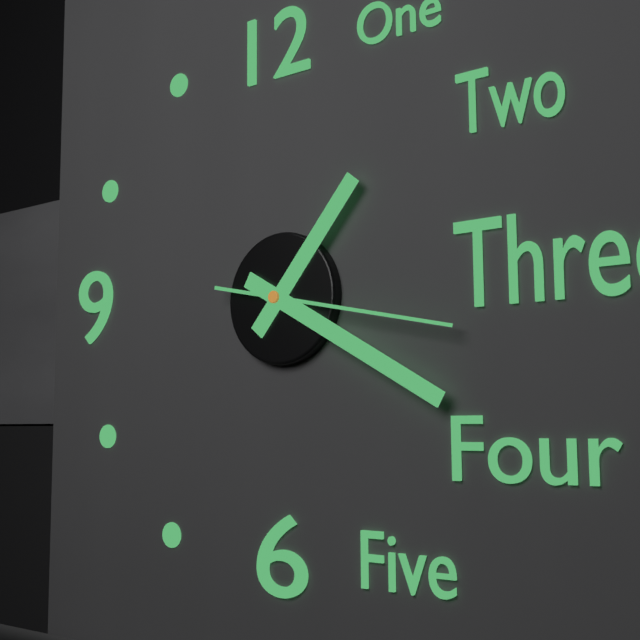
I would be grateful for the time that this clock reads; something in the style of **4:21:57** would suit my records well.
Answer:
**1:20:17**
